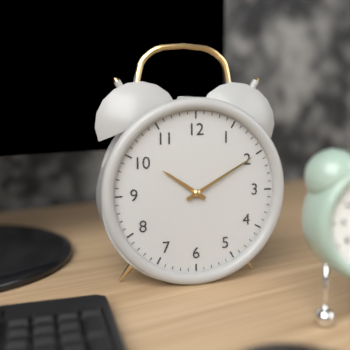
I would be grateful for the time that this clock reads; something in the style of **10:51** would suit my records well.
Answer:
**10:10**
